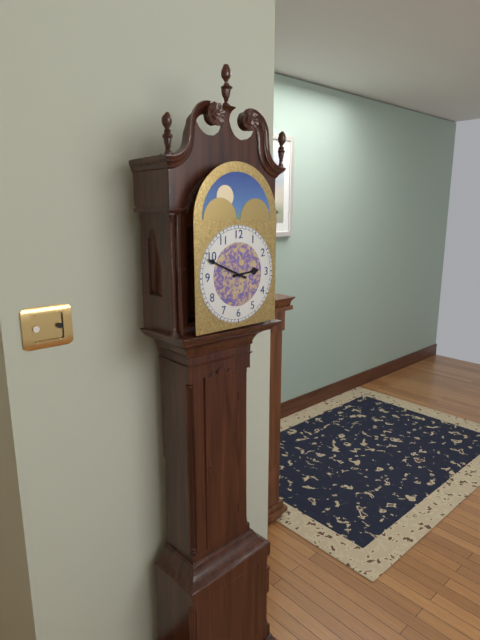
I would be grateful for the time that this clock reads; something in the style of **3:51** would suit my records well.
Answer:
**2:49**
